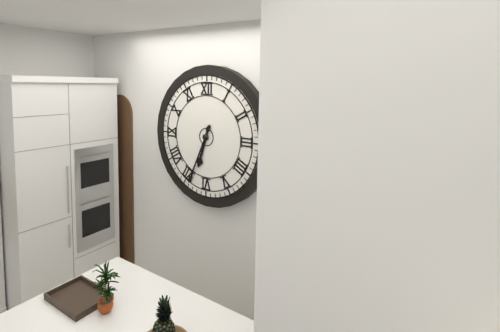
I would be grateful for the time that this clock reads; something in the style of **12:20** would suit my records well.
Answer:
**6:34**
